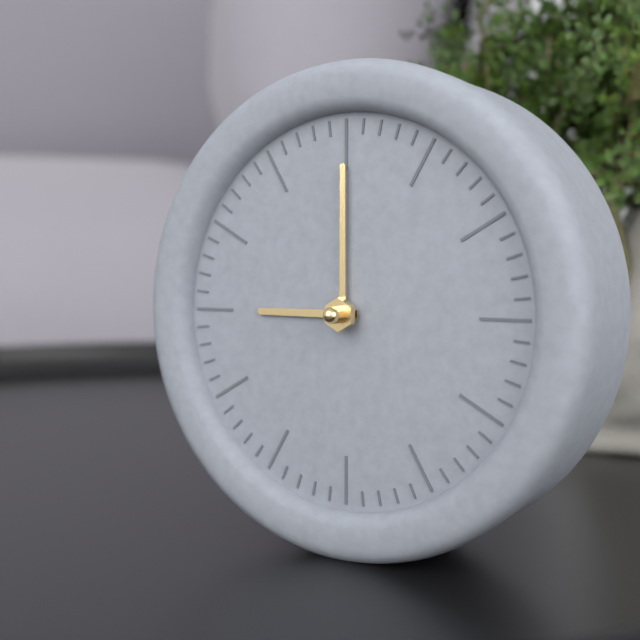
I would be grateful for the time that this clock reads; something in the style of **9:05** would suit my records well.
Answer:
**9:00**
